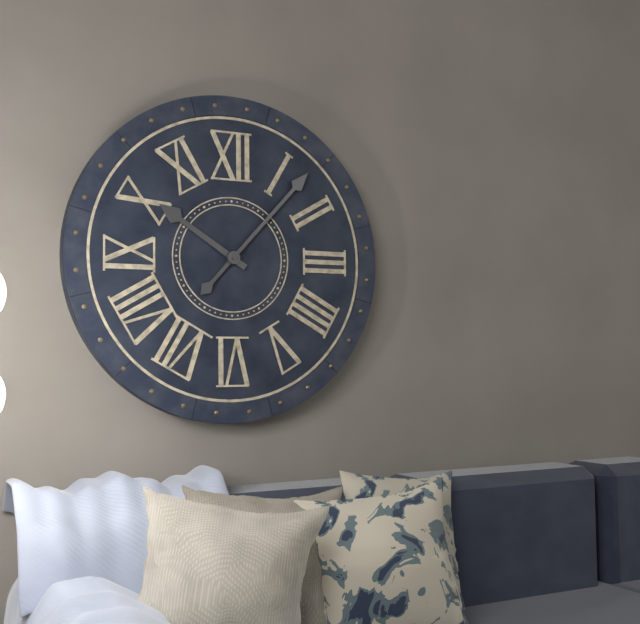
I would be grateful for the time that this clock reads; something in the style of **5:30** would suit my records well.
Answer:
**10:07**
